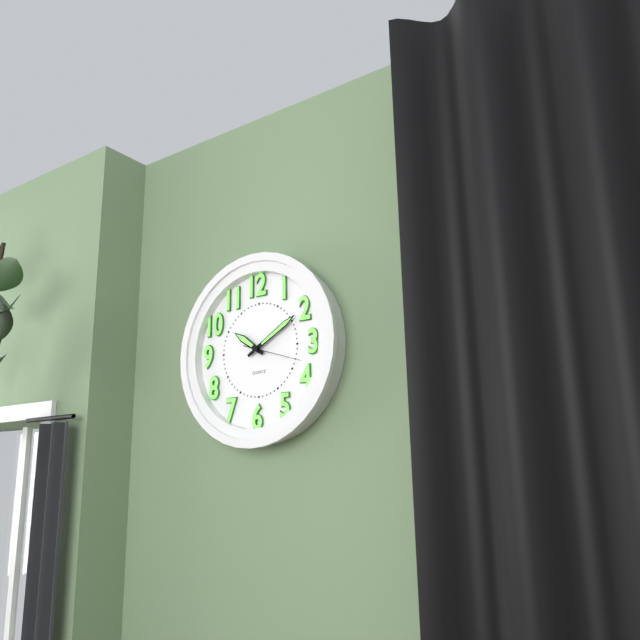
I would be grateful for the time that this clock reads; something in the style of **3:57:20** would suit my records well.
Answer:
**10:10:18**
